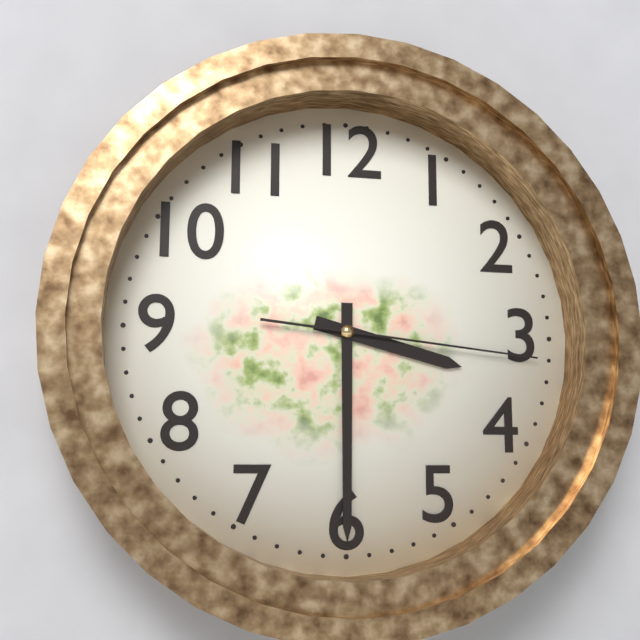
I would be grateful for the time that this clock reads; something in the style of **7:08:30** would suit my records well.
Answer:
**3:30:16**
